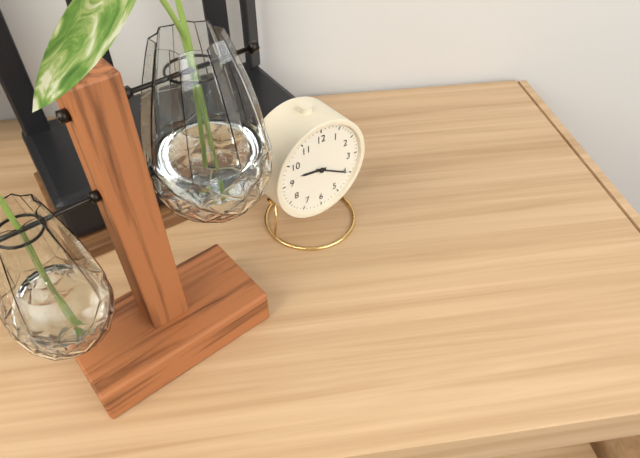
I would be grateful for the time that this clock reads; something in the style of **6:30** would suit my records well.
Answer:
**9:20**
